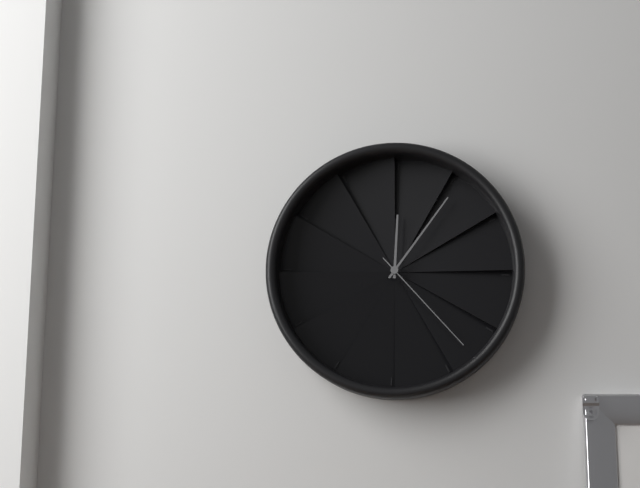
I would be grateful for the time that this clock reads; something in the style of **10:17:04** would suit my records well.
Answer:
**12:06:23**
